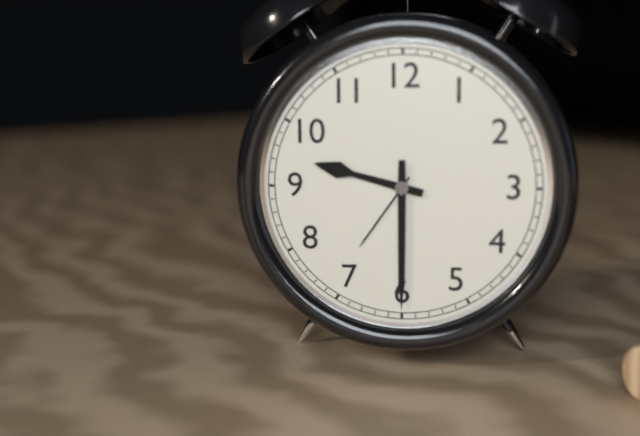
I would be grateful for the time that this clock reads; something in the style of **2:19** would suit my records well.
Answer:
**9:30**
